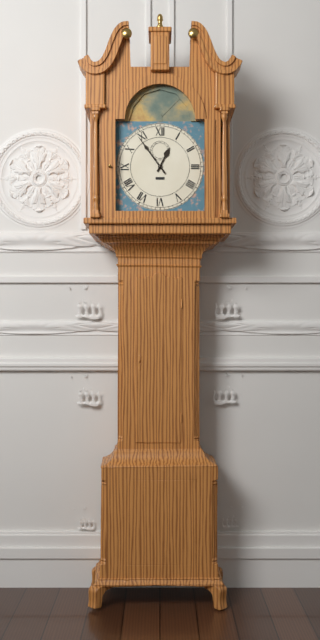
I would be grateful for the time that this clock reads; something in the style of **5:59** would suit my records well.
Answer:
**12:54**
